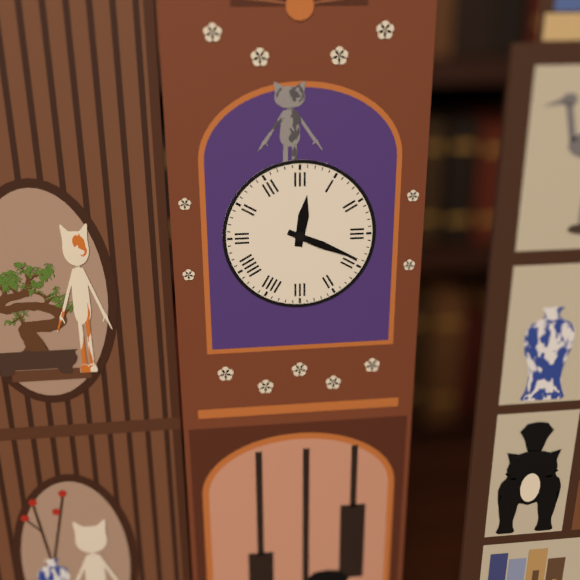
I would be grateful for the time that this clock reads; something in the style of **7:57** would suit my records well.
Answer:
**12:19**
